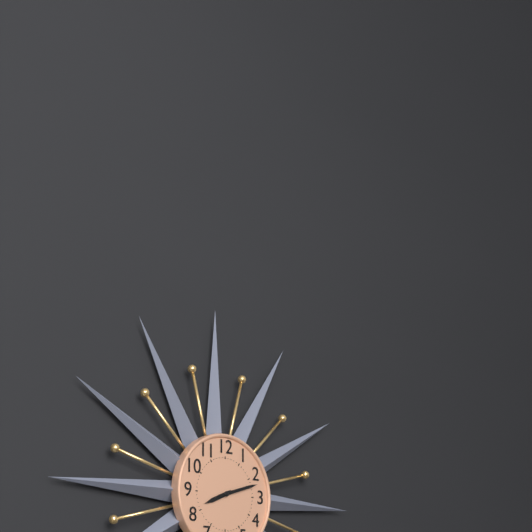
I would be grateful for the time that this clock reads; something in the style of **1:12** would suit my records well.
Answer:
**8:12**
